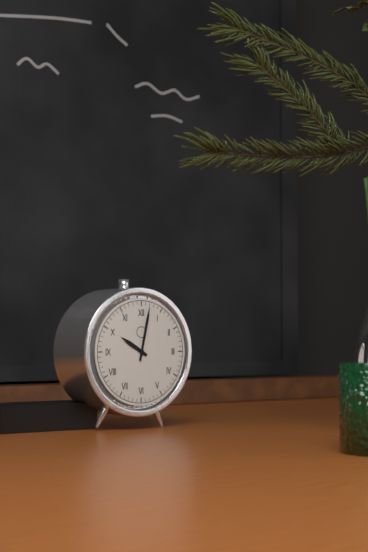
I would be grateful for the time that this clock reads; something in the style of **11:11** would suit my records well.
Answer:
**10:02**
